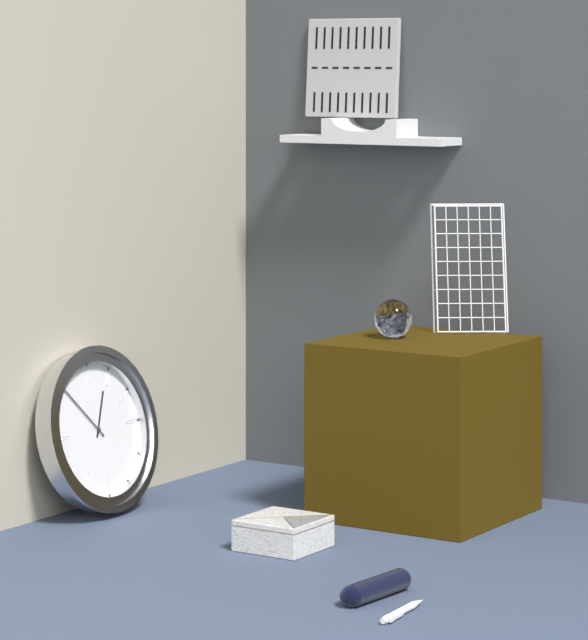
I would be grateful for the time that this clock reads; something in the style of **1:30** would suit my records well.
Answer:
**12:53**
